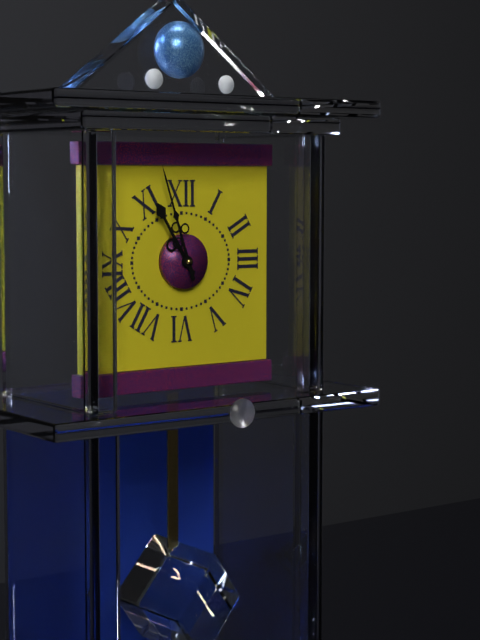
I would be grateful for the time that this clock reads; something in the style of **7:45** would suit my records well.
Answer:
**10:57**
